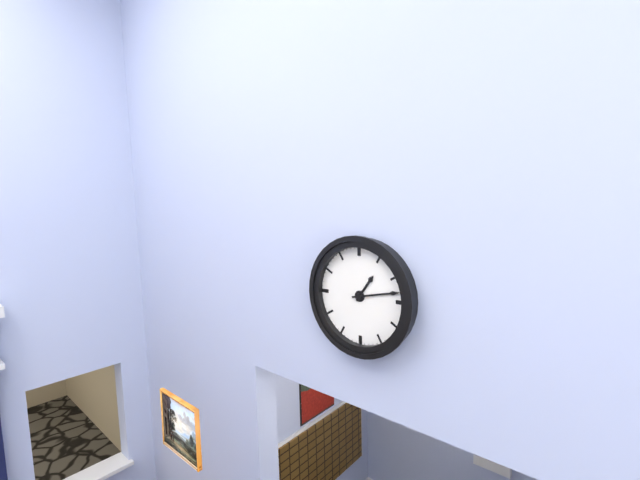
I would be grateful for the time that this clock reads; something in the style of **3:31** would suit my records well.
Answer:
**1:13**
